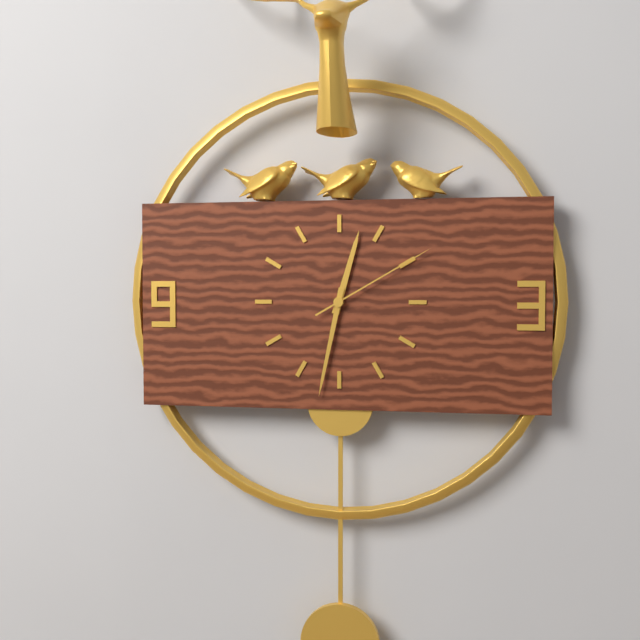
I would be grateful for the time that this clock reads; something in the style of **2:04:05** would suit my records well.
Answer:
**12:32:10**
